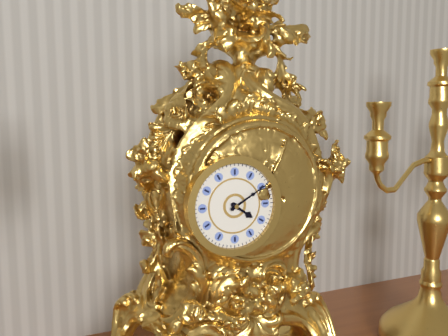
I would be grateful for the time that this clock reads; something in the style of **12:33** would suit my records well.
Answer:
**4:10**
